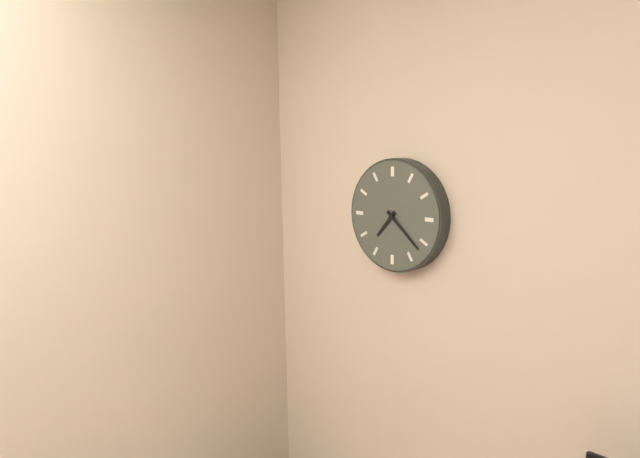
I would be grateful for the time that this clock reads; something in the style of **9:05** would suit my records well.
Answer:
**7:22**
